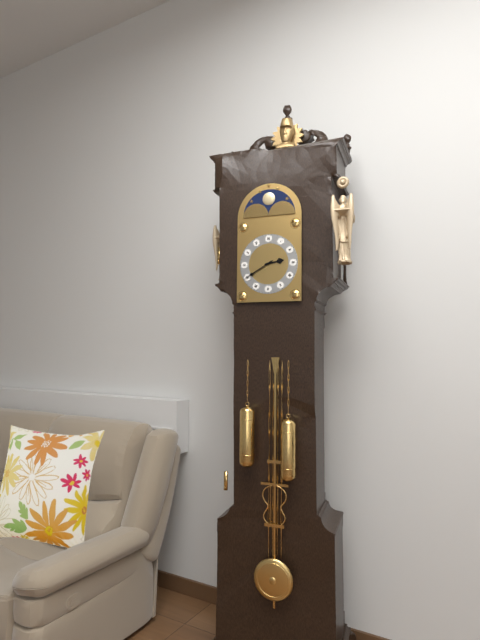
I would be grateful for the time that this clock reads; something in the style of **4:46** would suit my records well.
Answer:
**2:40**
